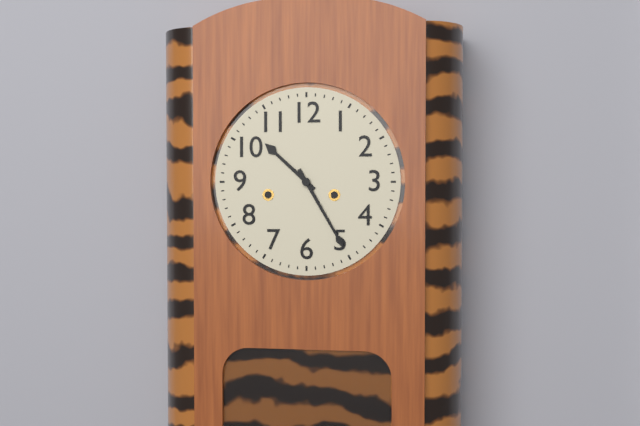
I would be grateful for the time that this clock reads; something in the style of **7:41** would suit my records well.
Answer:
**10:25**
